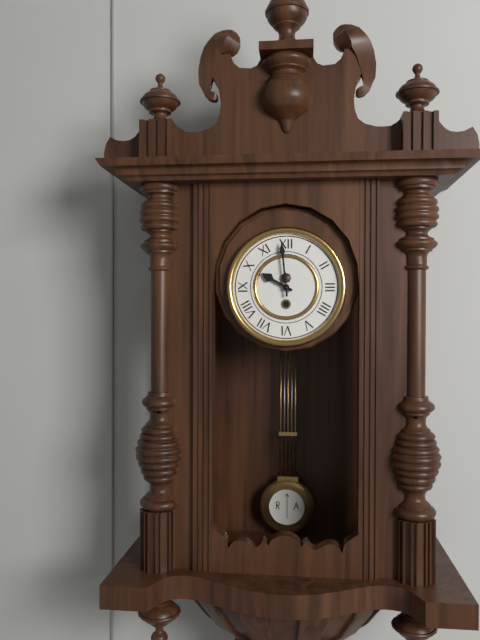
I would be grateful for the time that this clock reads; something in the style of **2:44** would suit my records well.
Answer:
**9:59**
